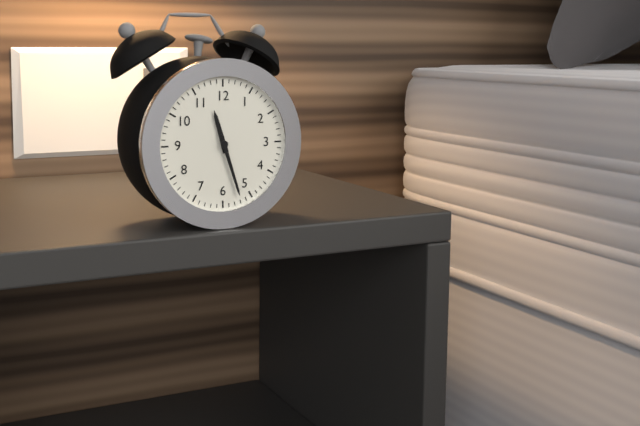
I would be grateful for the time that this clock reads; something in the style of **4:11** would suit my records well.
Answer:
**11:27**
